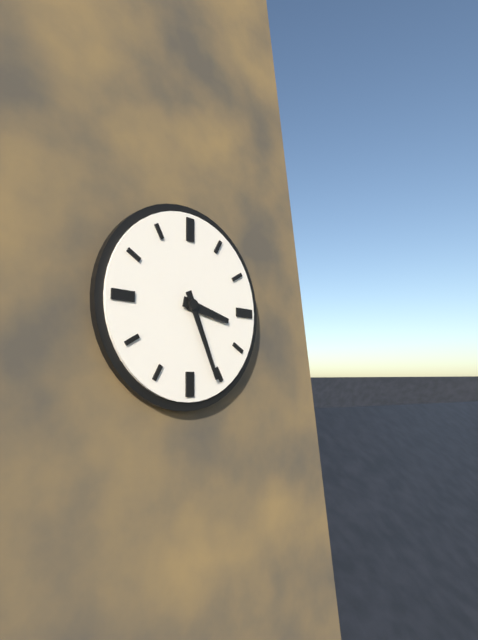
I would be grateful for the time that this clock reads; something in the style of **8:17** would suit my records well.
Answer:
**3:26**
